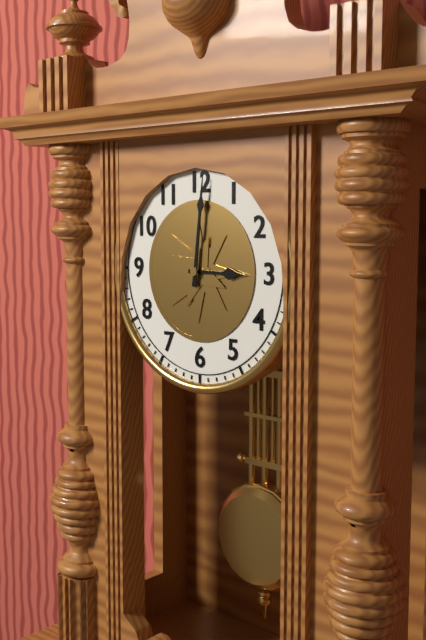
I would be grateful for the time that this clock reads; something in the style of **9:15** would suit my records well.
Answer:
**3:01**
